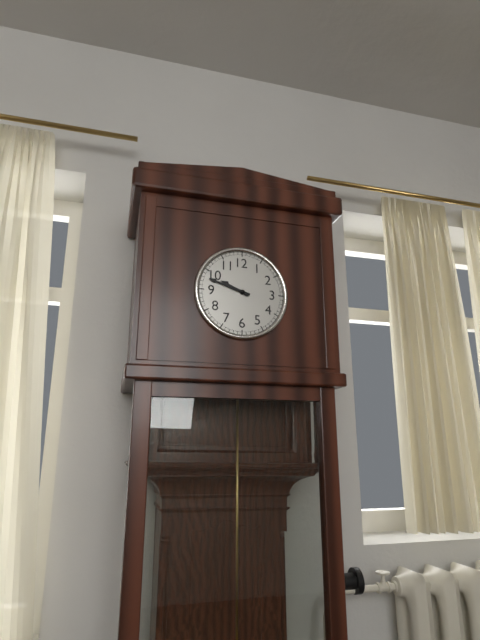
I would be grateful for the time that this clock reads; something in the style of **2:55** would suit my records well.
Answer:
**9:48**
